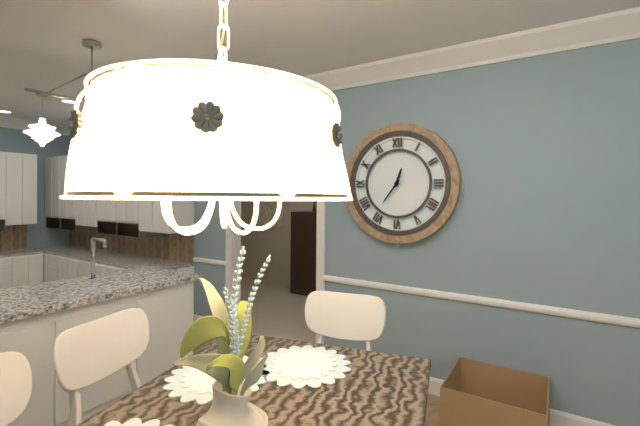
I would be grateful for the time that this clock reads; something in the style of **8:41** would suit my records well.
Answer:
**12:36**
